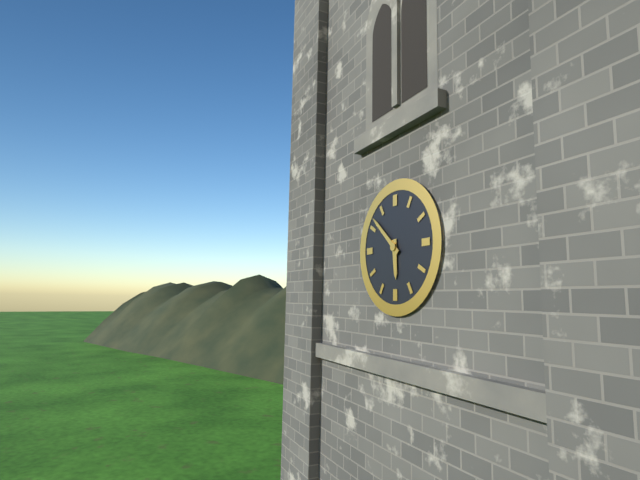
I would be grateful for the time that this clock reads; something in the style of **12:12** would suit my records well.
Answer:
**5:52**
